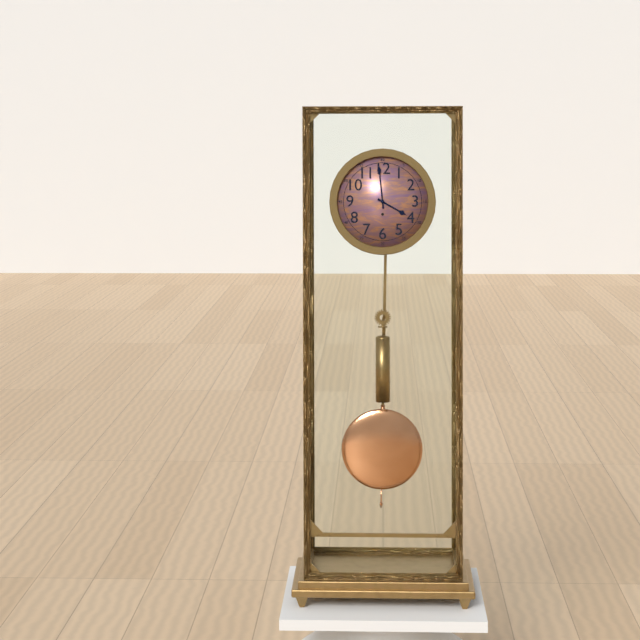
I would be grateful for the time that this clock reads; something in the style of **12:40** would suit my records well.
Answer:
**3:59**
